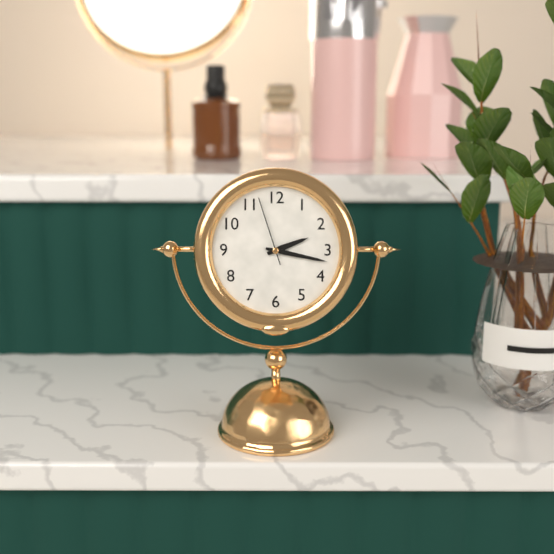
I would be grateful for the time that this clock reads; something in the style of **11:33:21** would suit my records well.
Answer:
**2:17:57**
